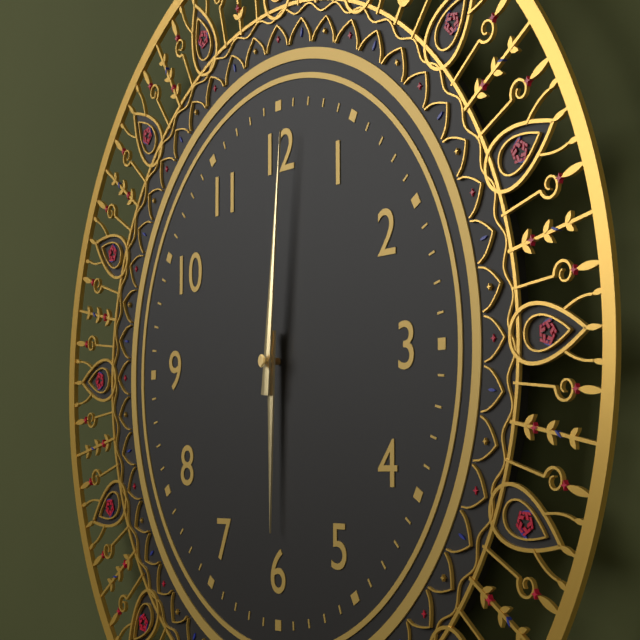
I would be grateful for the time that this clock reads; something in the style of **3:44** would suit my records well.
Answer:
**6:01**
